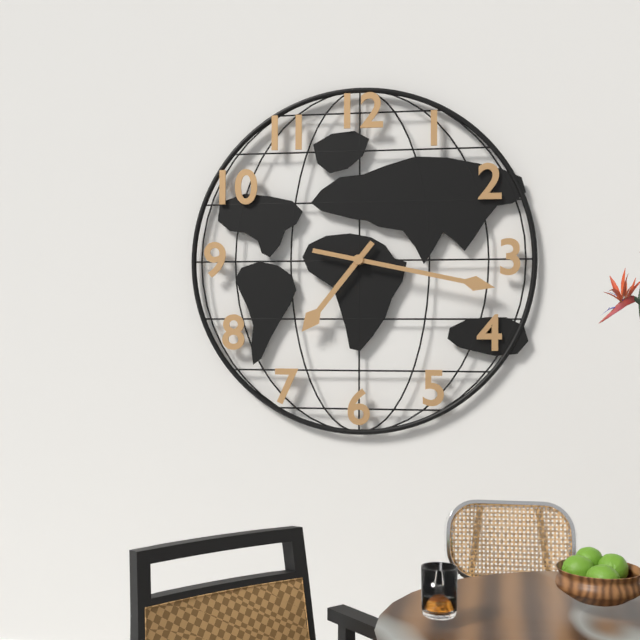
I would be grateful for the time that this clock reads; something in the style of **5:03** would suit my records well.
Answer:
**7:17**
